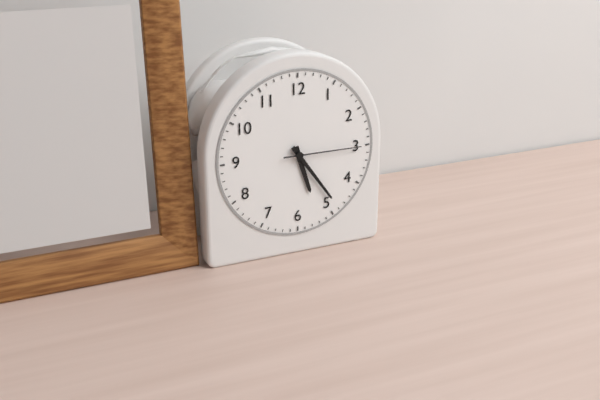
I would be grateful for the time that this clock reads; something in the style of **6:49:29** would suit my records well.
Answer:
**5:24:15**
